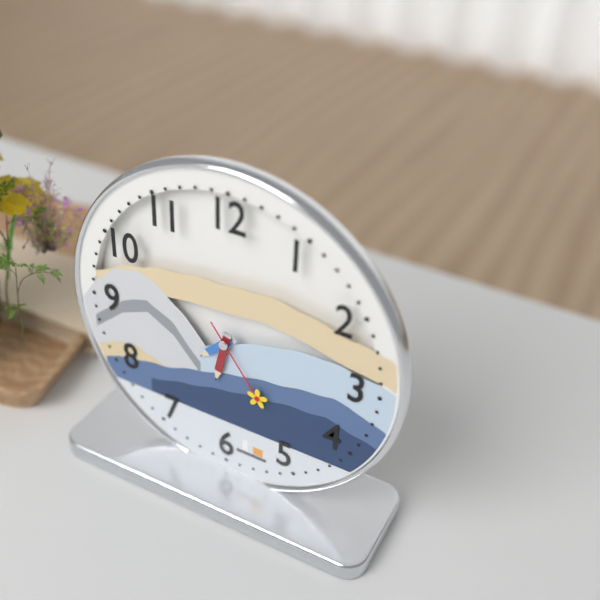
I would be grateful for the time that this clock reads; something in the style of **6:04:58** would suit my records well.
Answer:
**7:32:24**
